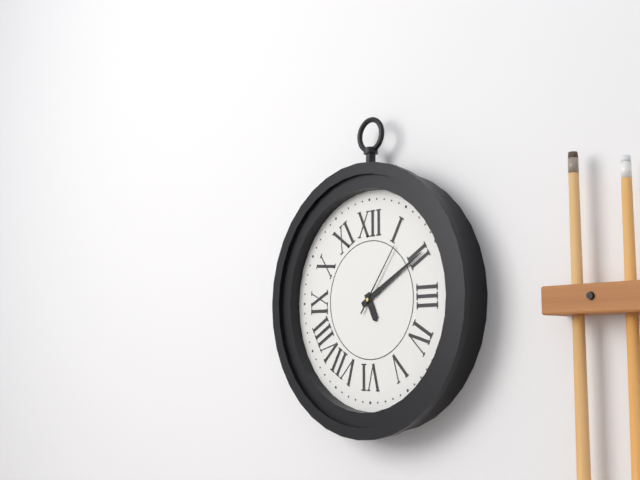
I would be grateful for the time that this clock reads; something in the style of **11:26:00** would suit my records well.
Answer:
**5:10:06**
